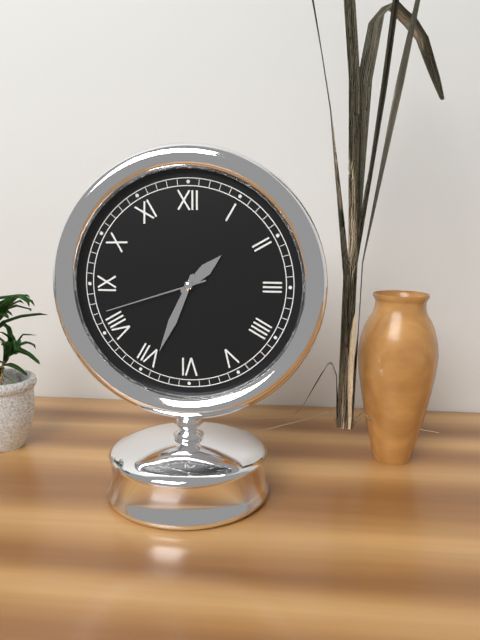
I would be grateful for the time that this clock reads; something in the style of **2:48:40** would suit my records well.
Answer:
**1:34:42**
